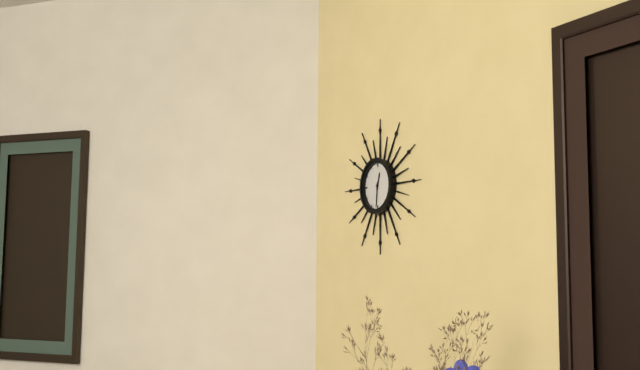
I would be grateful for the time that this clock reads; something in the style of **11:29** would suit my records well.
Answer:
**12:31**
